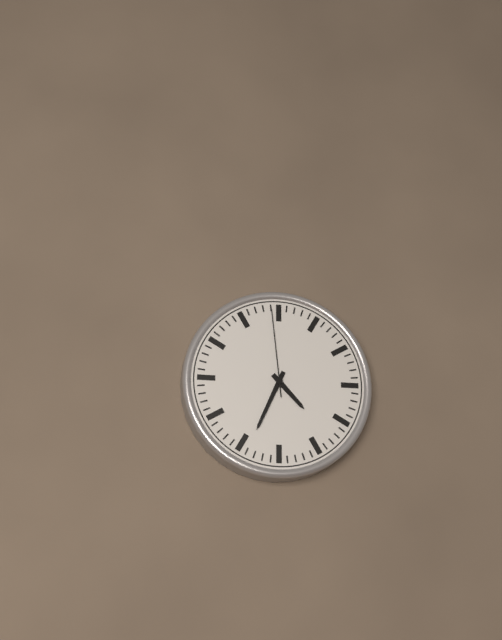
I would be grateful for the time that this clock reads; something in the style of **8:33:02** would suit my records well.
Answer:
**4:34:59**
